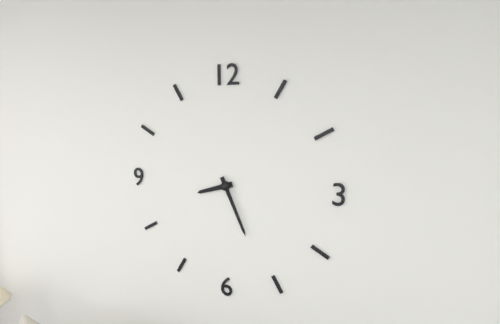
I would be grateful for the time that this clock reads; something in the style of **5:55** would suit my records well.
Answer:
**8:26**
